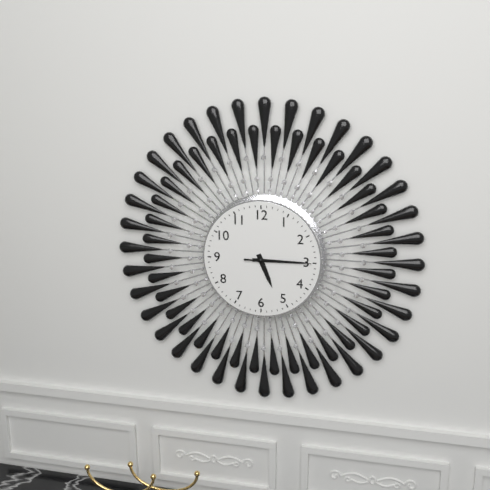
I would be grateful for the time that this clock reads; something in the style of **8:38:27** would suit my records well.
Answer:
**5:15:15**
